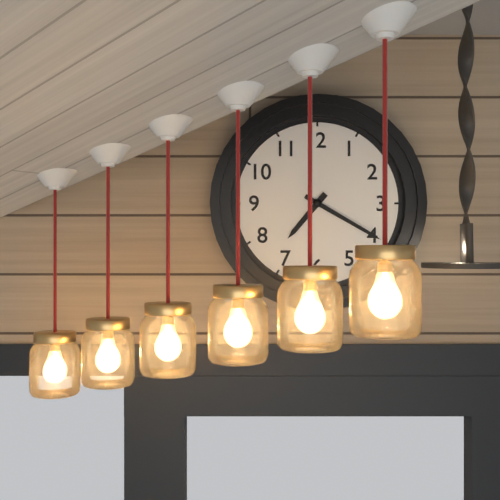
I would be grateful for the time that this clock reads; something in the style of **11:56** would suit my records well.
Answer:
**7:20**
